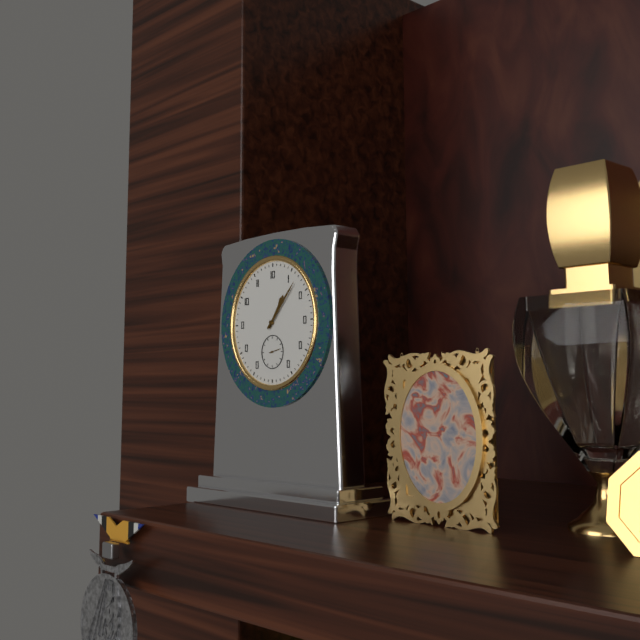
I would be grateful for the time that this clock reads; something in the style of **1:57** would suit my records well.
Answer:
**1:07**
